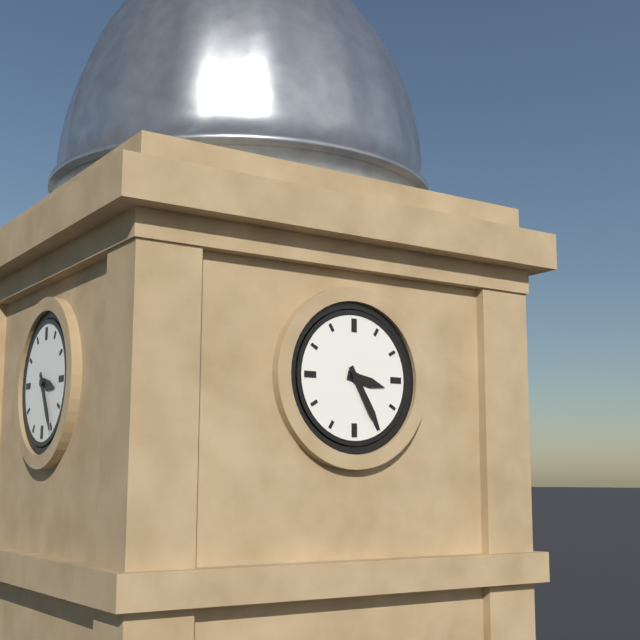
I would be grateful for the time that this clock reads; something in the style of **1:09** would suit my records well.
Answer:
**3:25**
